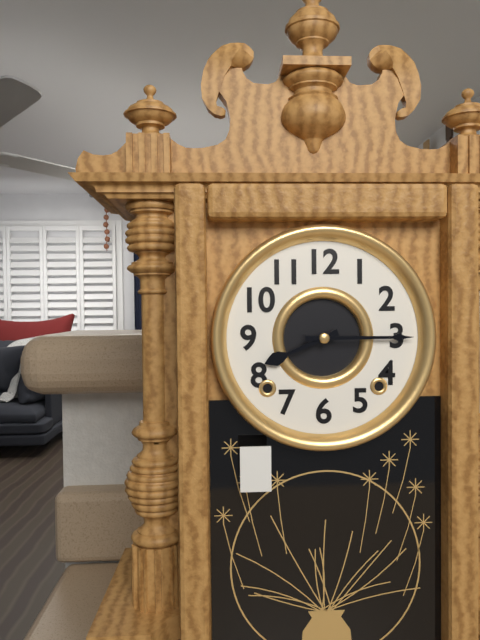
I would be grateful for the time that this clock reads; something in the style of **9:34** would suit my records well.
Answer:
**8:15**
